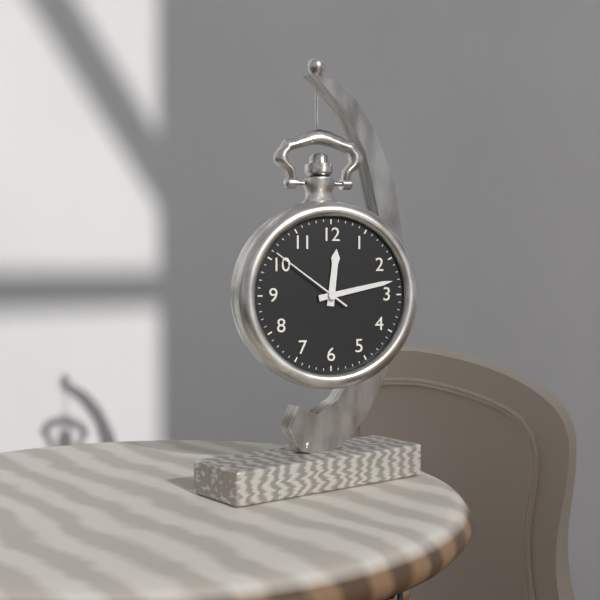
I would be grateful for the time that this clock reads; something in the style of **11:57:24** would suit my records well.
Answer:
**12:13:51**
